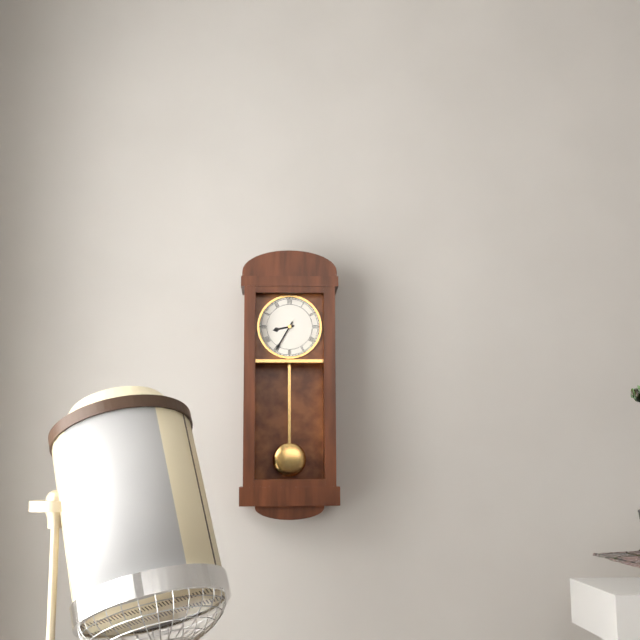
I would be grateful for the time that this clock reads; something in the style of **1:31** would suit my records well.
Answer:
**8:35**
